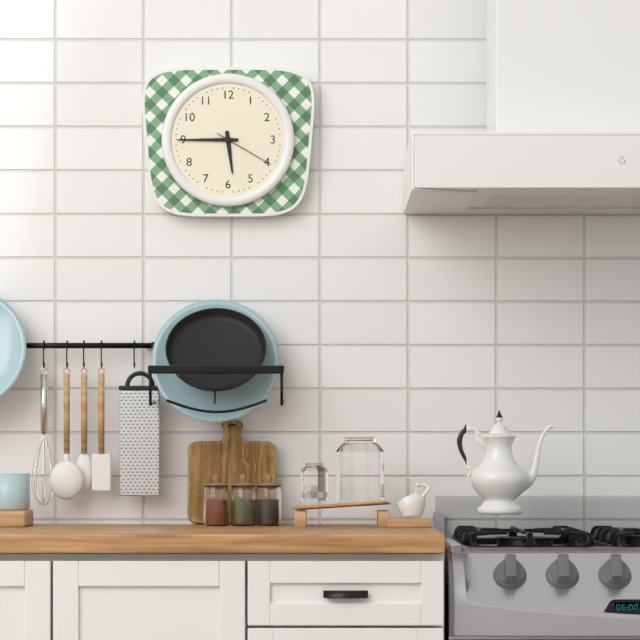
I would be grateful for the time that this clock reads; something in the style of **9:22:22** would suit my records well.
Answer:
**5:45:20**
